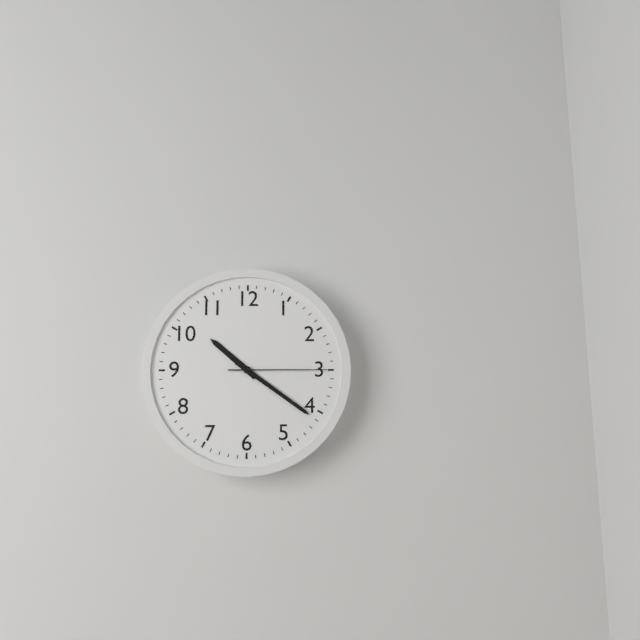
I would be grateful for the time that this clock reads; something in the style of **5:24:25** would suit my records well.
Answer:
**10:21:15**
